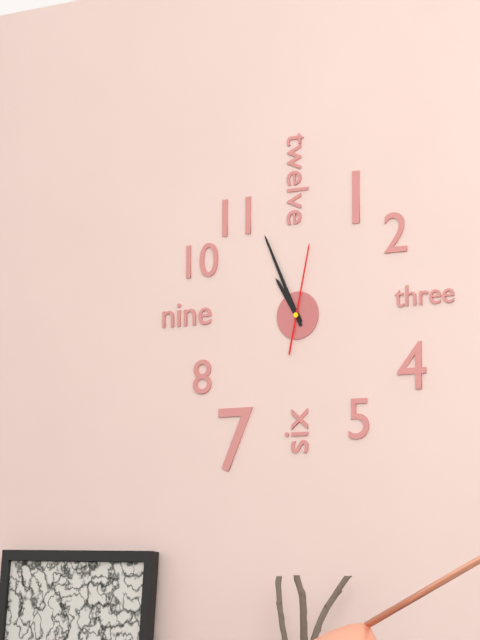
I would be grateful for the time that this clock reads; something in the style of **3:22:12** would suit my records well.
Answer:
**10:56:02**
